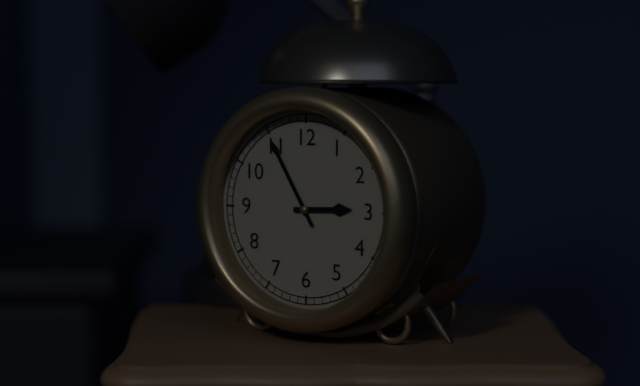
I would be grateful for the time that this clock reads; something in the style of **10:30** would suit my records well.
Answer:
**2:55**
